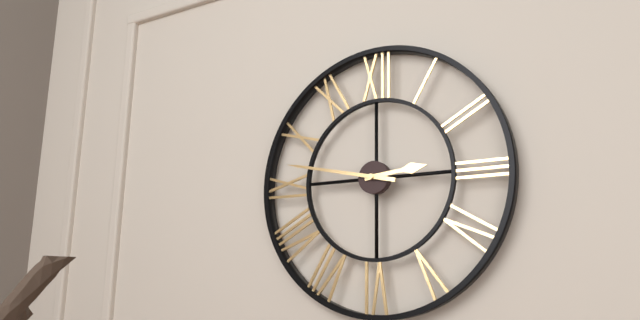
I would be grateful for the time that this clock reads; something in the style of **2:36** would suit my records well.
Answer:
**2:47**
